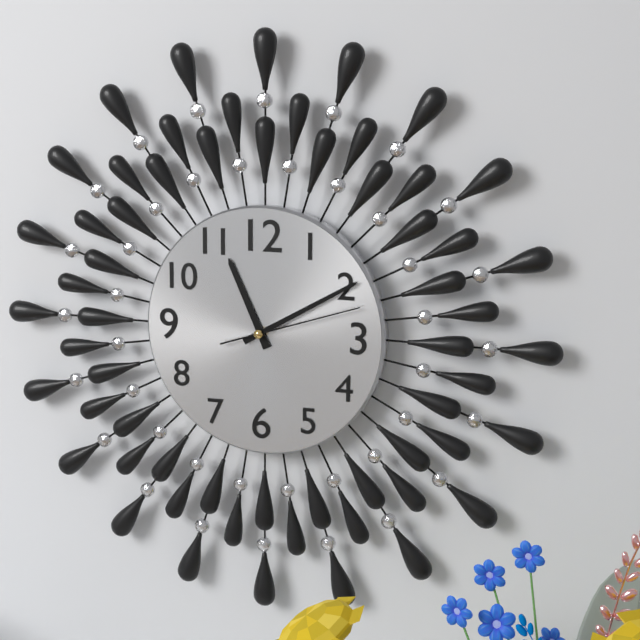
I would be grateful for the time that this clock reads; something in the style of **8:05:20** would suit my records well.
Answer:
**11:10:12**
